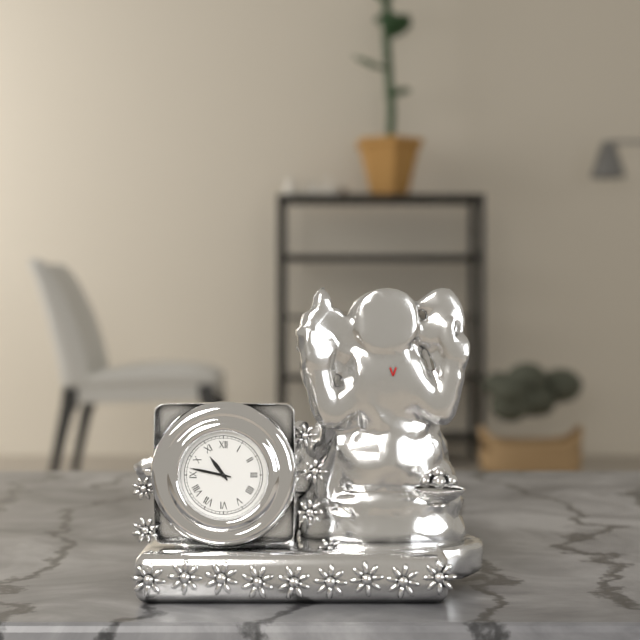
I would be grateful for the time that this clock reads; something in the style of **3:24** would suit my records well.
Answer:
**10:47**
